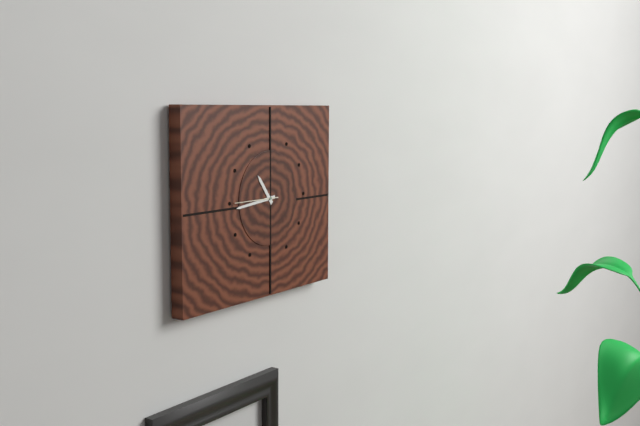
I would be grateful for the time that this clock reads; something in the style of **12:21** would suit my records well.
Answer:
**10:44**
